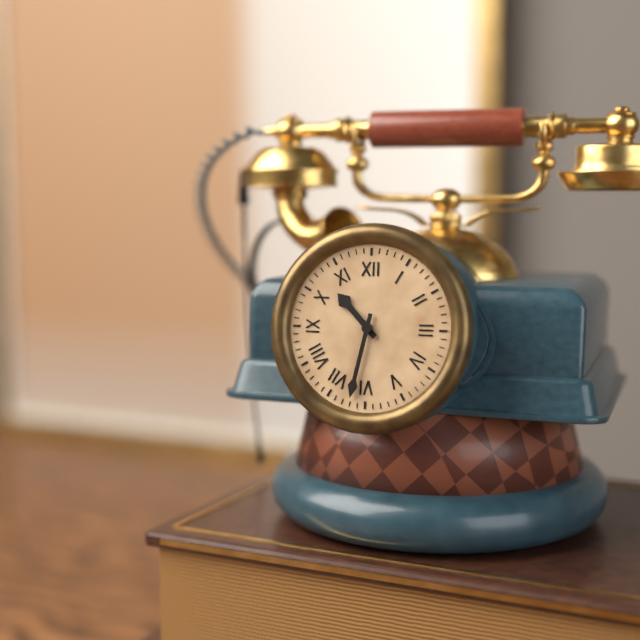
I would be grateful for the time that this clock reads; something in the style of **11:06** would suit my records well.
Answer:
**10:32**
